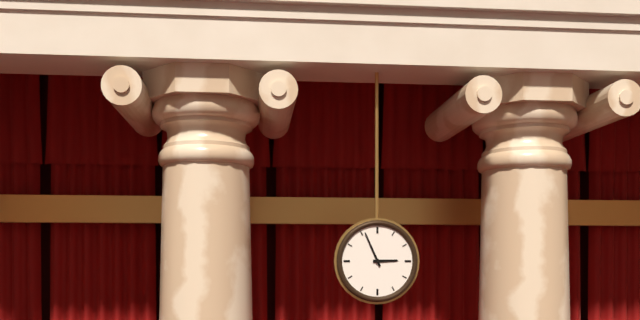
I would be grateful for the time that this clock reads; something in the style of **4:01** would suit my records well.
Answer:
**2:56**
